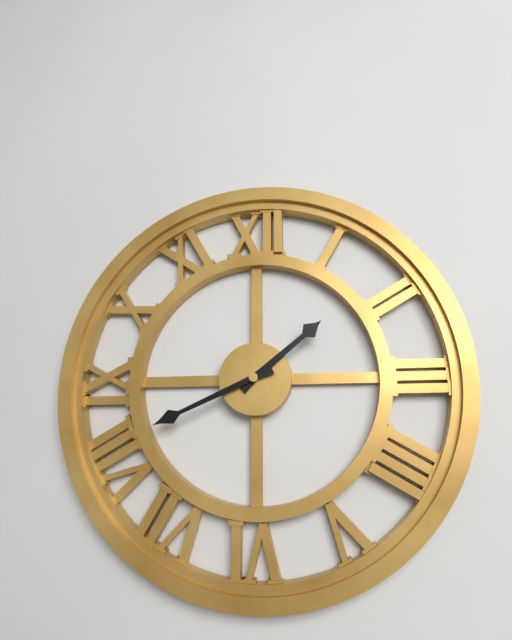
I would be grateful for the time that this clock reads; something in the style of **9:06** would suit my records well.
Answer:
**1:41**
